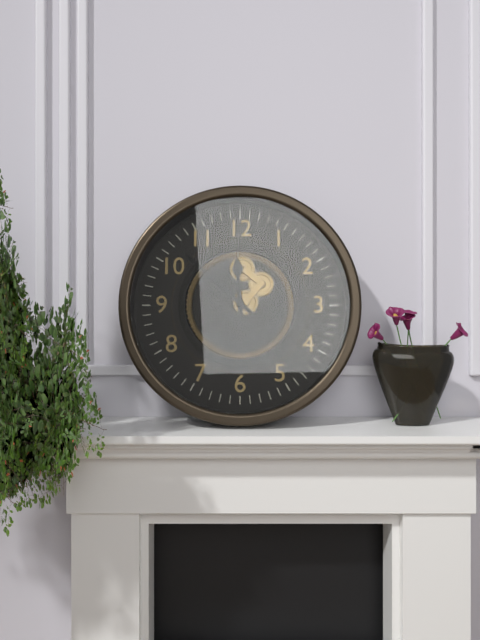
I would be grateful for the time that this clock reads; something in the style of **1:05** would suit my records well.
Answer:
**11:52**
